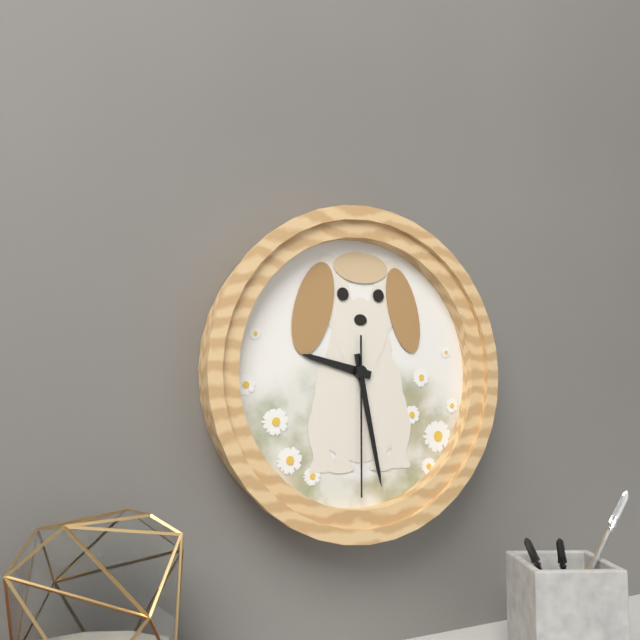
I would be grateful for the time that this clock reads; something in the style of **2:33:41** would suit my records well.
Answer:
**9:28:30**
